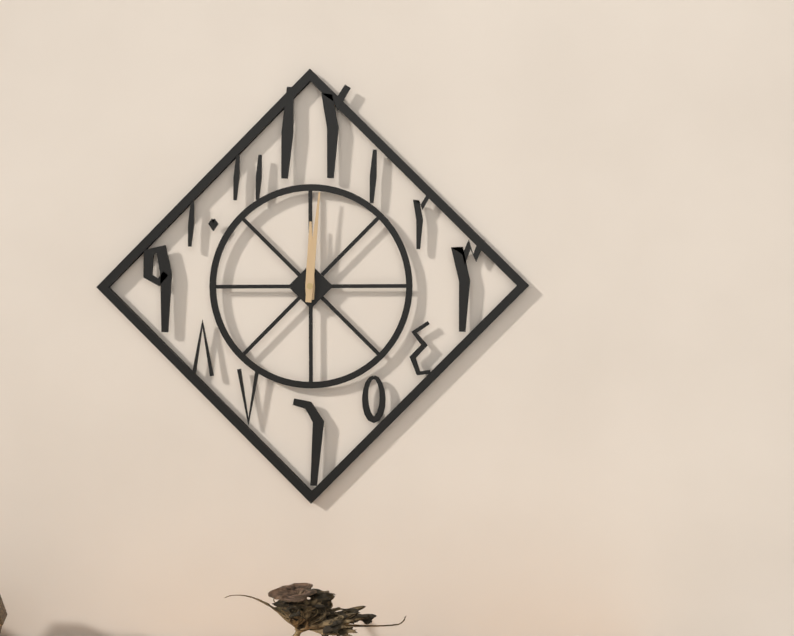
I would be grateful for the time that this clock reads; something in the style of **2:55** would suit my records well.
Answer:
**12:01**
